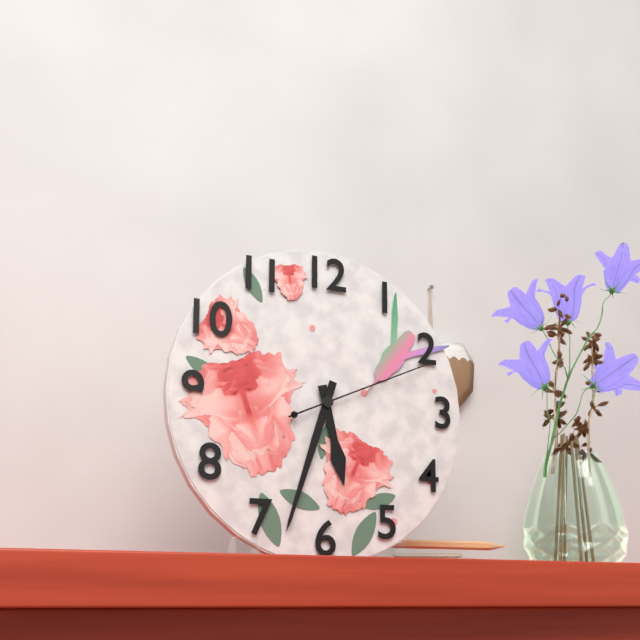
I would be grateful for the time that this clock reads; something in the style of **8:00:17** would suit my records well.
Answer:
**5:33:11**
